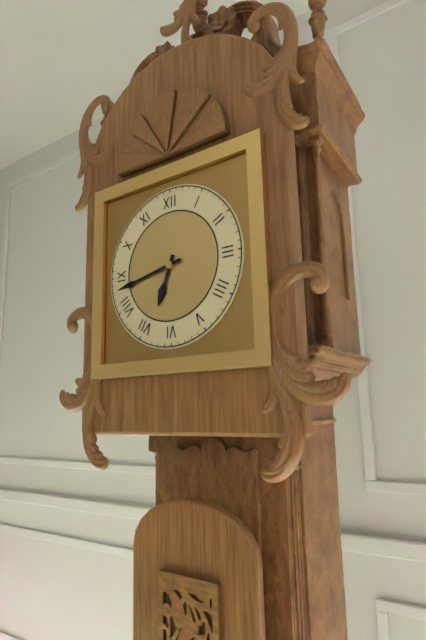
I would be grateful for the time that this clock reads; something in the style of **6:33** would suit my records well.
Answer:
**6:43**
